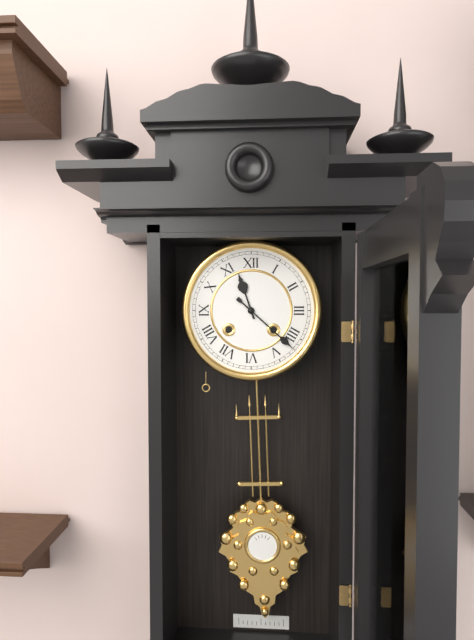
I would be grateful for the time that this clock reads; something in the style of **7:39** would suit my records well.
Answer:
**11:22**
